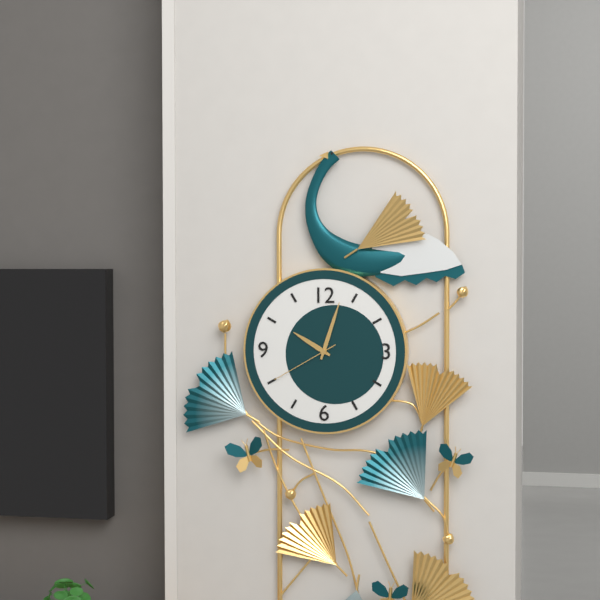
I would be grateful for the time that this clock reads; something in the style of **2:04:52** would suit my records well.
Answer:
**10:03:40**
